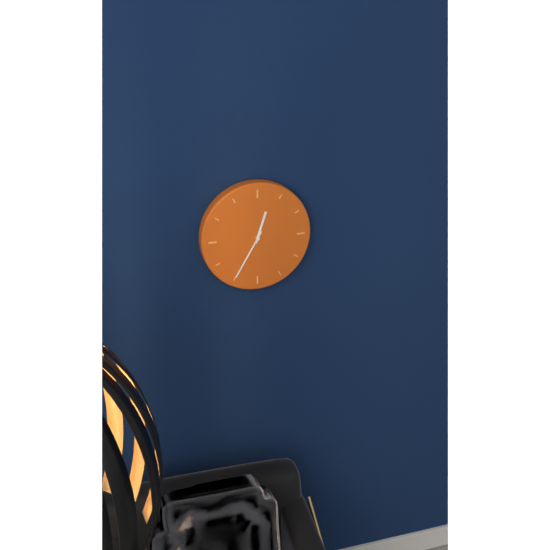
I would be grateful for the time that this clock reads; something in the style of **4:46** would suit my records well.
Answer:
**12:35**
